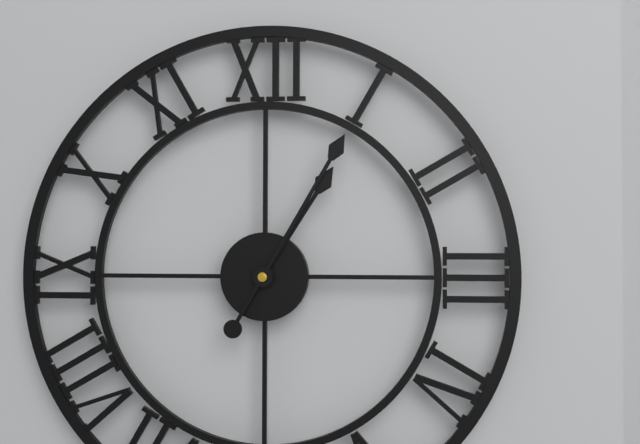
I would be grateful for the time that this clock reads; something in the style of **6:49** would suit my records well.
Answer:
**1:05**
